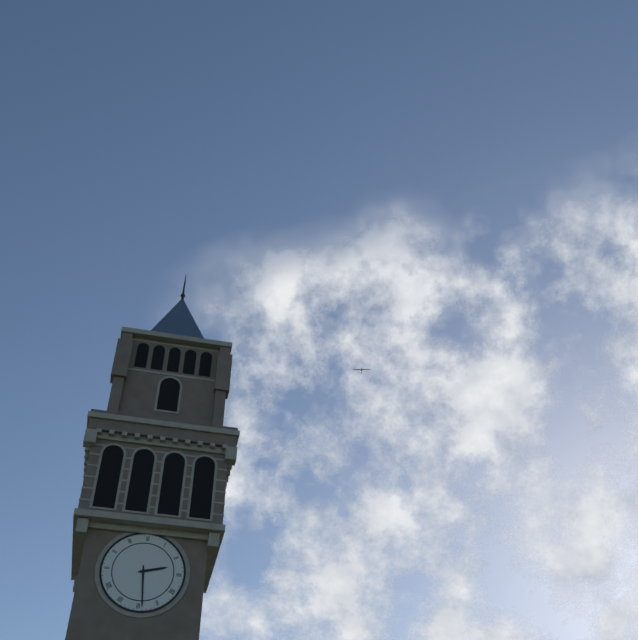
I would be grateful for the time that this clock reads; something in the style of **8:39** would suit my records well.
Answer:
**2:29**
